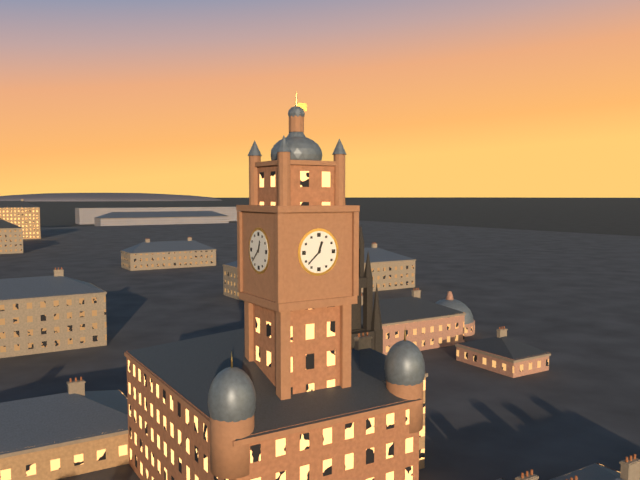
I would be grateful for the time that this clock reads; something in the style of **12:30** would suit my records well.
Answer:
**12:38**
